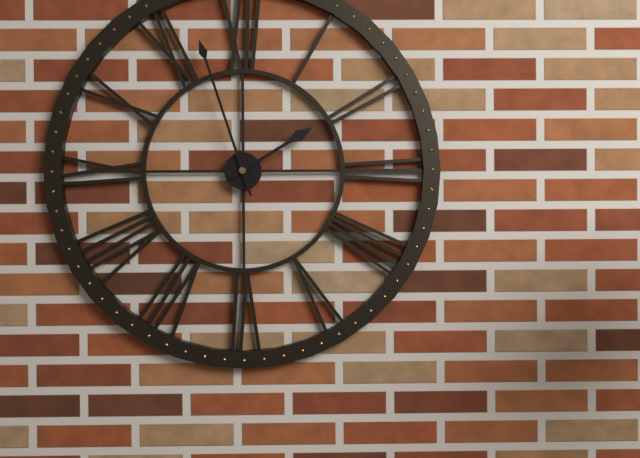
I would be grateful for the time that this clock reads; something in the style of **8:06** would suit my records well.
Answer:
**1:57**
